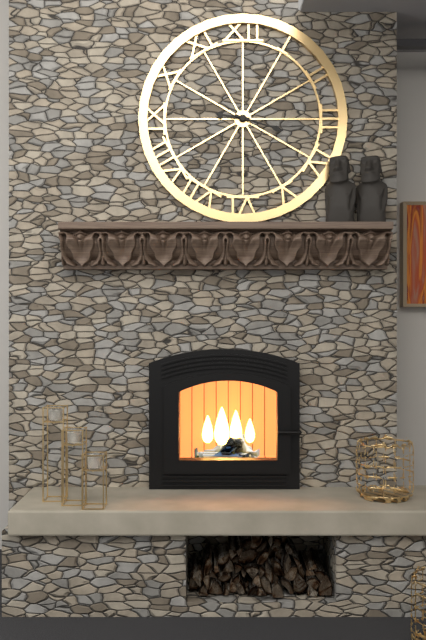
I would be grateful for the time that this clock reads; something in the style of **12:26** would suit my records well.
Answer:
**9:18**
